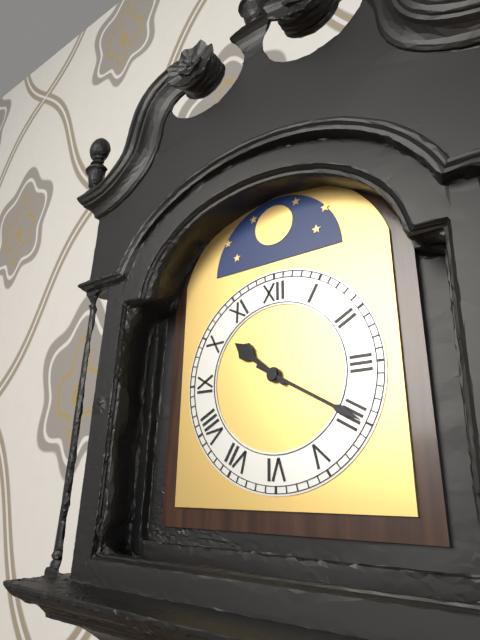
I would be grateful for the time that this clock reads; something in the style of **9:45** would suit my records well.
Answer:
**10:20**
